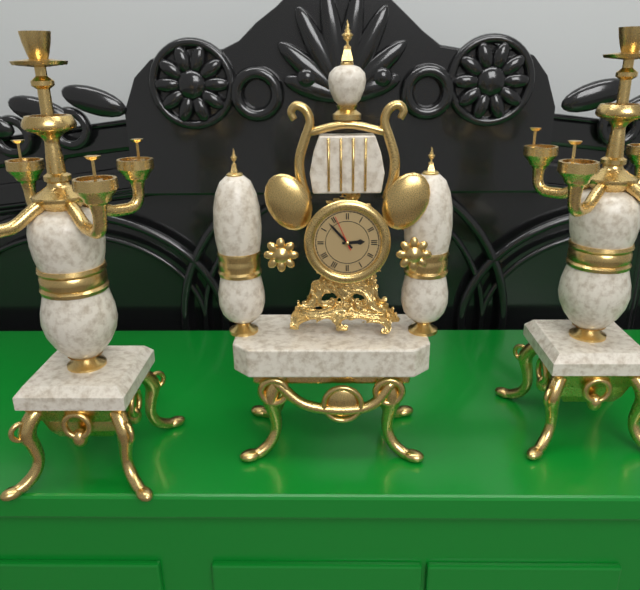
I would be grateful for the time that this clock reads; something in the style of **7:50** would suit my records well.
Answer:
**2:53**
